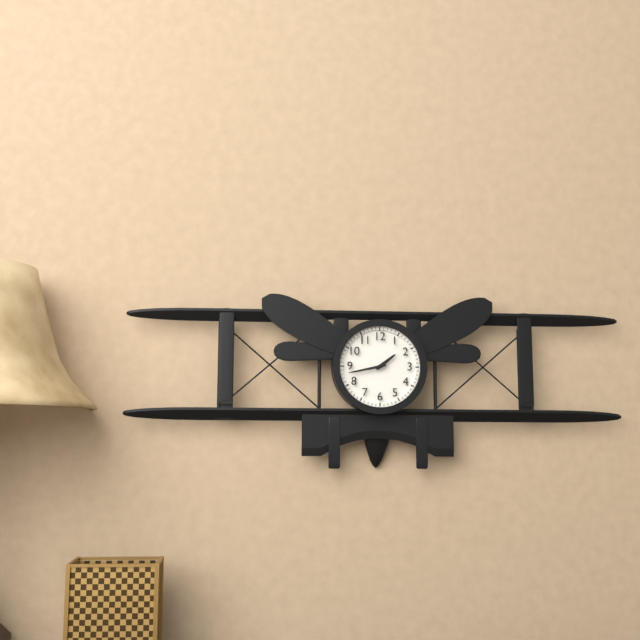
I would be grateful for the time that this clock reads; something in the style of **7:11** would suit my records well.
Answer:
**1:43**
